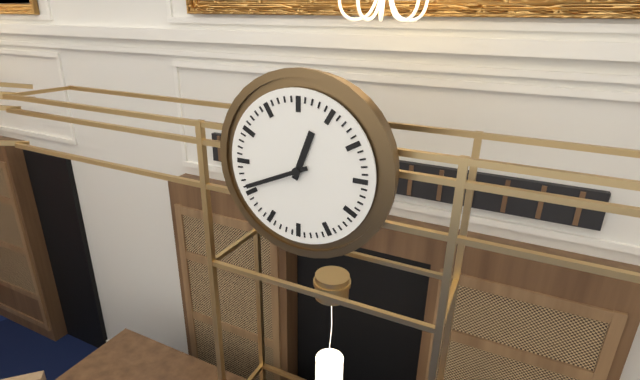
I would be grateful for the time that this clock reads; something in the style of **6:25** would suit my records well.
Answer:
**12:41**
